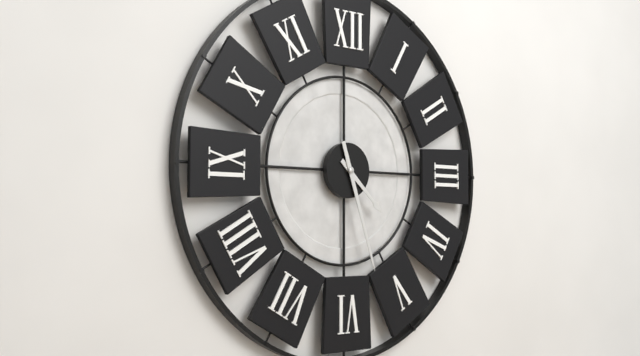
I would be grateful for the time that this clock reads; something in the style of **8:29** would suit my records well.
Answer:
**4:27**
